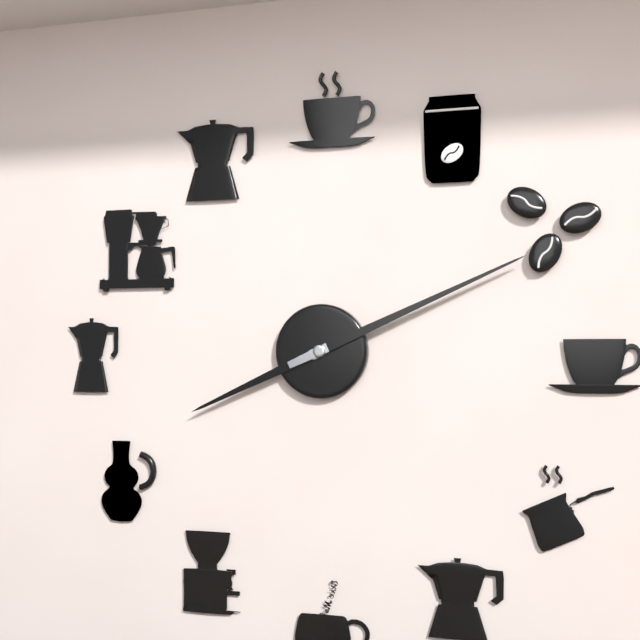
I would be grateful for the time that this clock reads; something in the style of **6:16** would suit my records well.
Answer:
**8:11**
